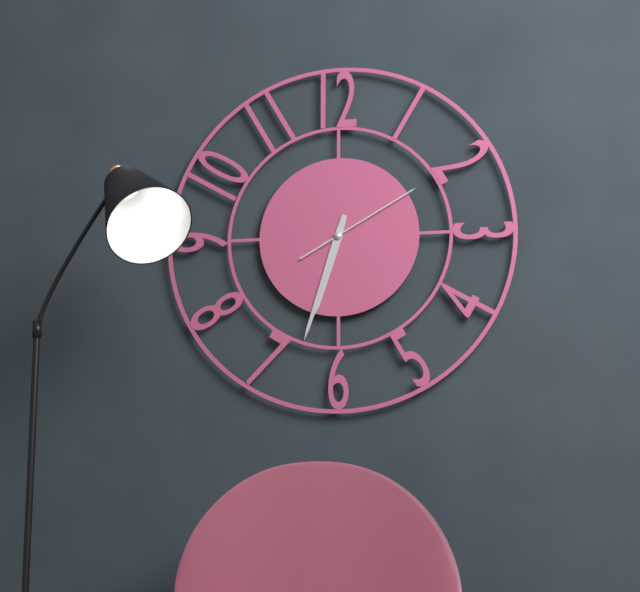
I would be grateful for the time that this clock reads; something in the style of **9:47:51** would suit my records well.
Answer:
**6:33:10**
